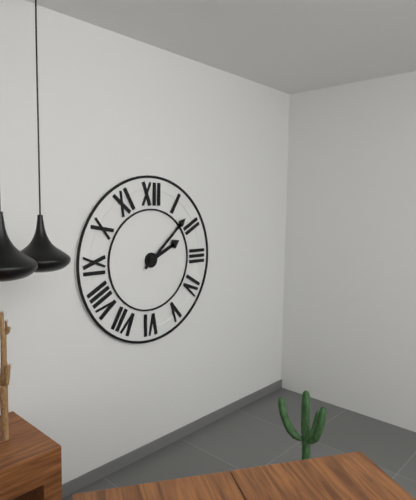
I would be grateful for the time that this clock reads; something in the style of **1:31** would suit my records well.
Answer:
**2:08**
